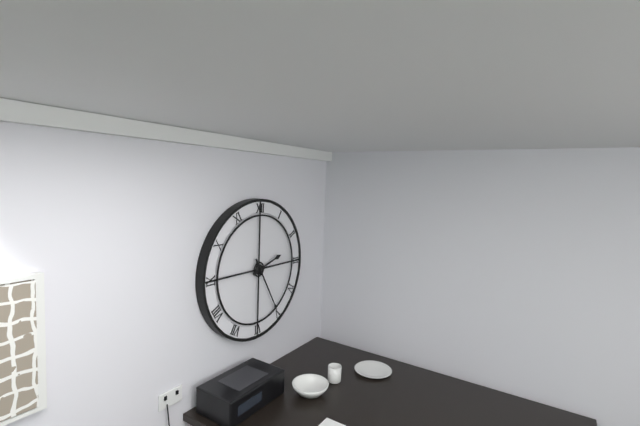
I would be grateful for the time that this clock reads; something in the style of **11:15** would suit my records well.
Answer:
**2:25**
